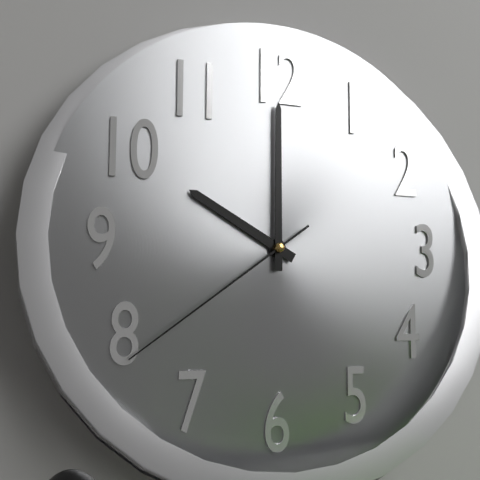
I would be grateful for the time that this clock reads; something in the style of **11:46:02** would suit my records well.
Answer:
**10:00:39**
